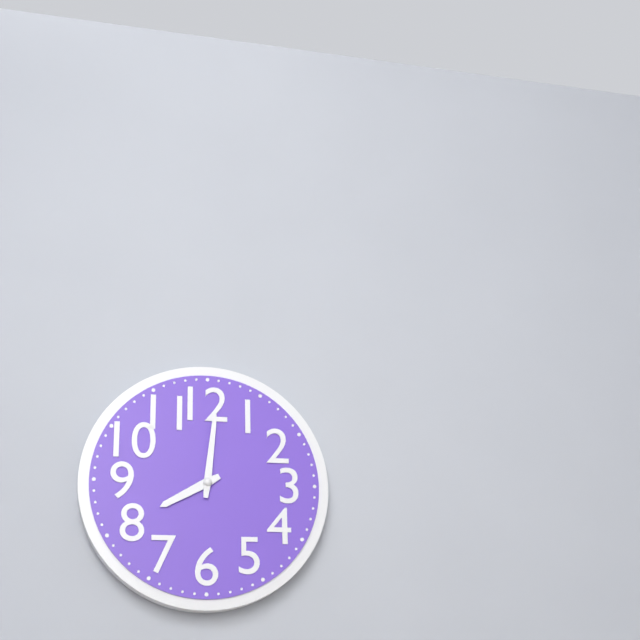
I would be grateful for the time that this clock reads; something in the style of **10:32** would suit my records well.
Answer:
**8:01**
